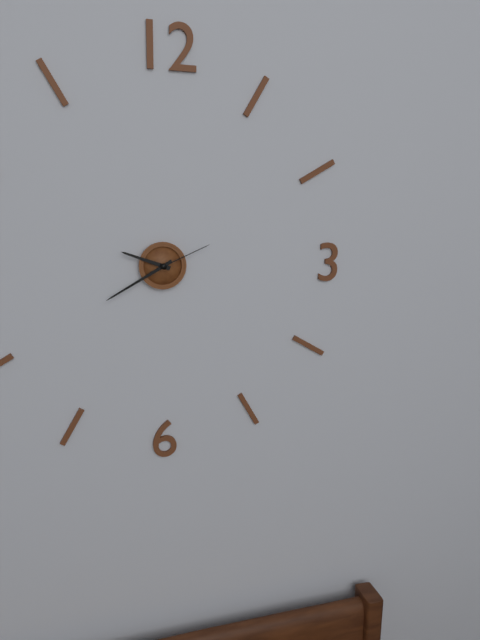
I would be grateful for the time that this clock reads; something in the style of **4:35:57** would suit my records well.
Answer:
**9:40:11**
